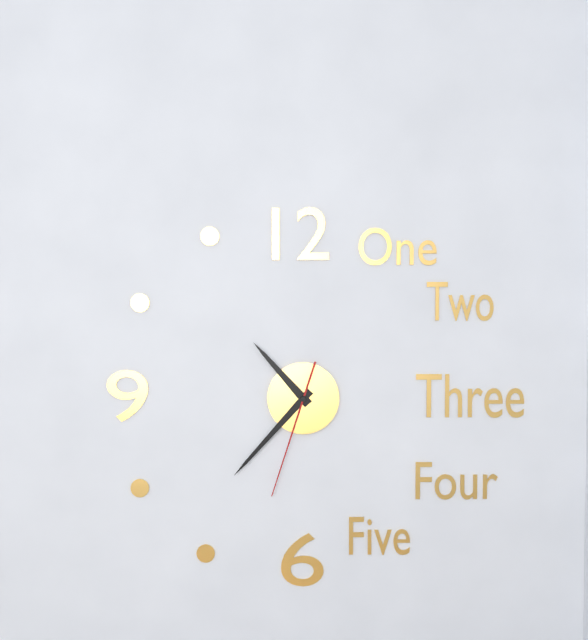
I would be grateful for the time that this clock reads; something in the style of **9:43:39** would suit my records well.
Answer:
**10:37:33**
